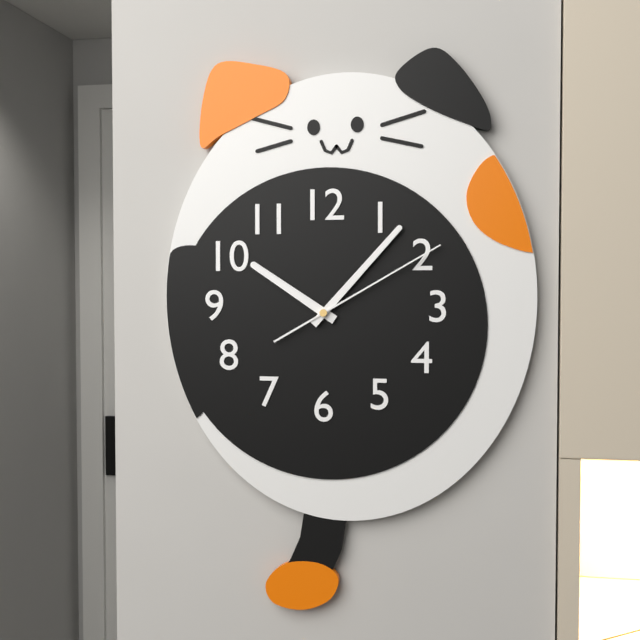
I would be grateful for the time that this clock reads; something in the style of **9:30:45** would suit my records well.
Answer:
**10:07:10**
